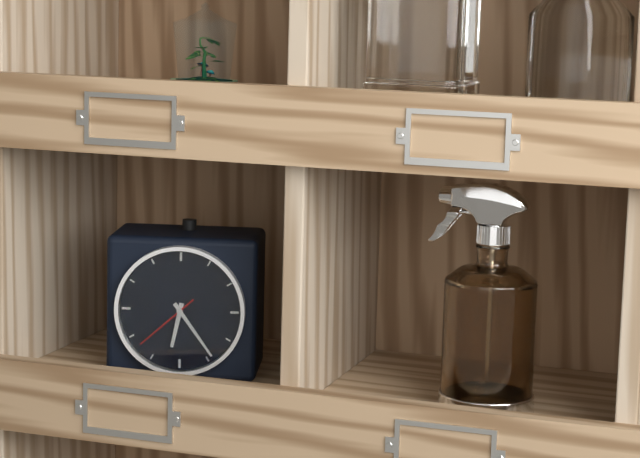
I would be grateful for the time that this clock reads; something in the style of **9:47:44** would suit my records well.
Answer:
**6:24:38**
